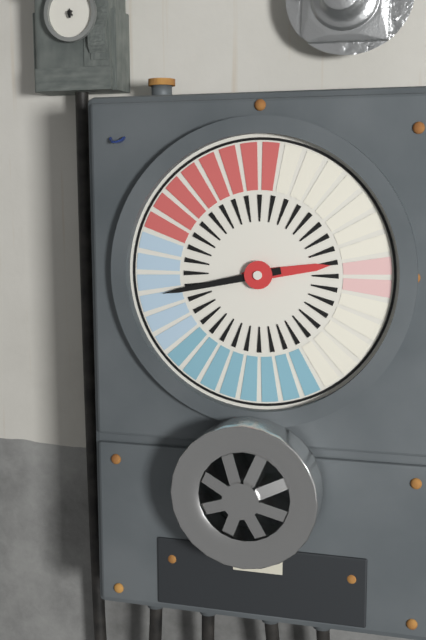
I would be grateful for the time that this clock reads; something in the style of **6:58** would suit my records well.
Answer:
**2:43**
